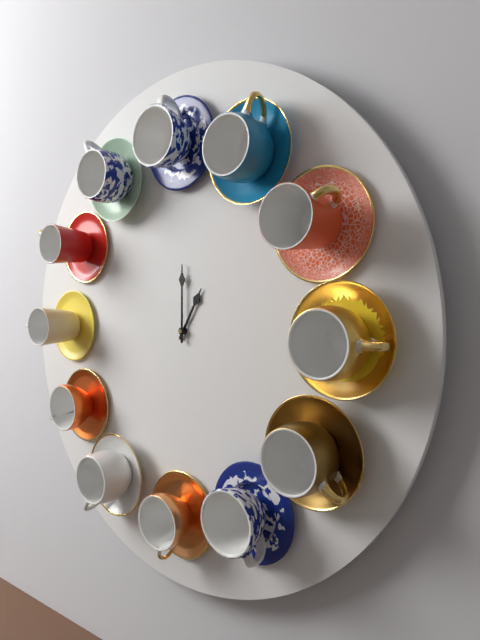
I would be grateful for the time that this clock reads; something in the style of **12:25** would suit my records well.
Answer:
**1:00**
